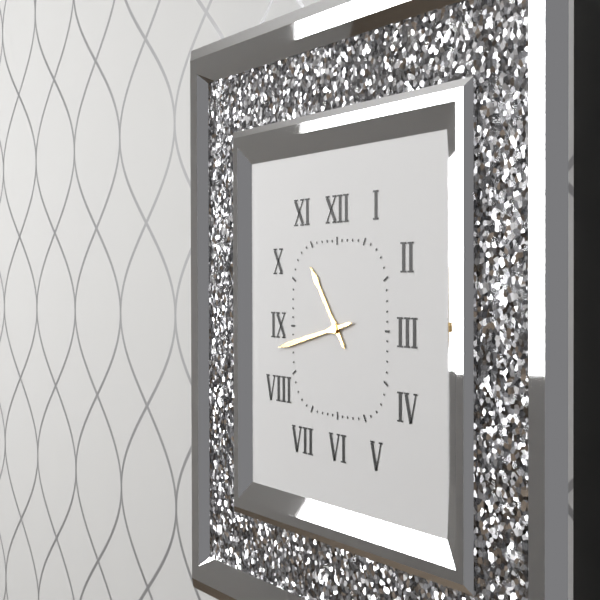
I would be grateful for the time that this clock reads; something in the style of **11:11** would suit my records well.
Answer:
**10:43**
